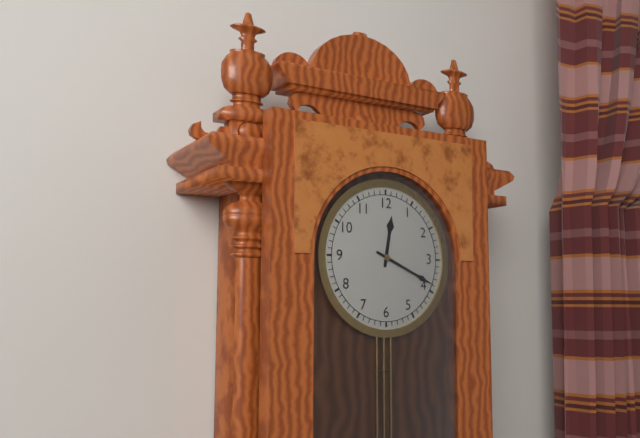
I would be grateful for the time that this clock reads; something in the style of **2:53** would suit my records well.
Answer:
**12:19**
